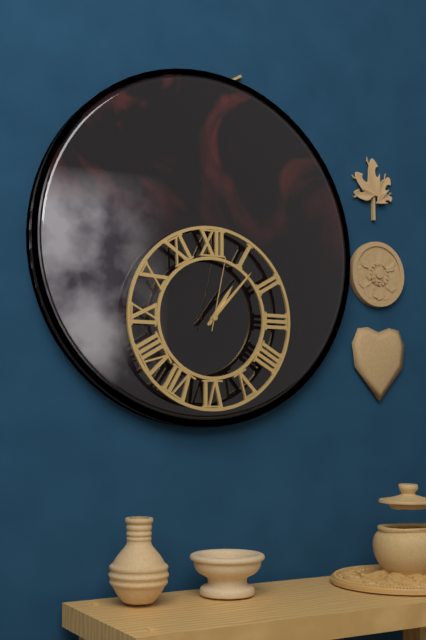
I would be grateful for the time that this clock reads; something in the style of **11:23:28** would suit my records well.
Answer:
**1:07:02**
